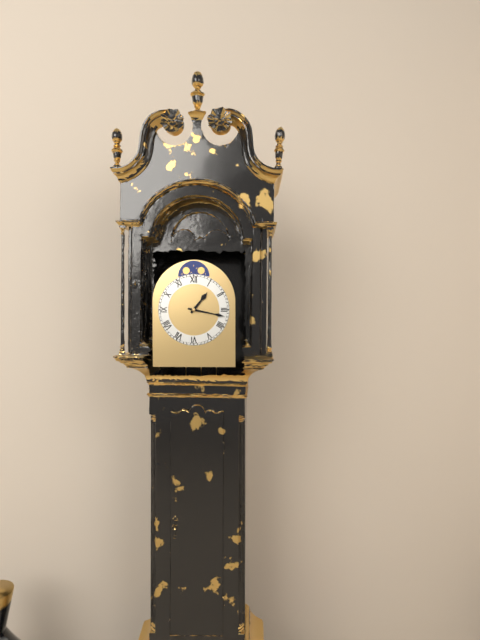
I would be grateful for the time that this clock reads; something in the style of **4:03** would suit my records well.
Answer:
**1:17**
